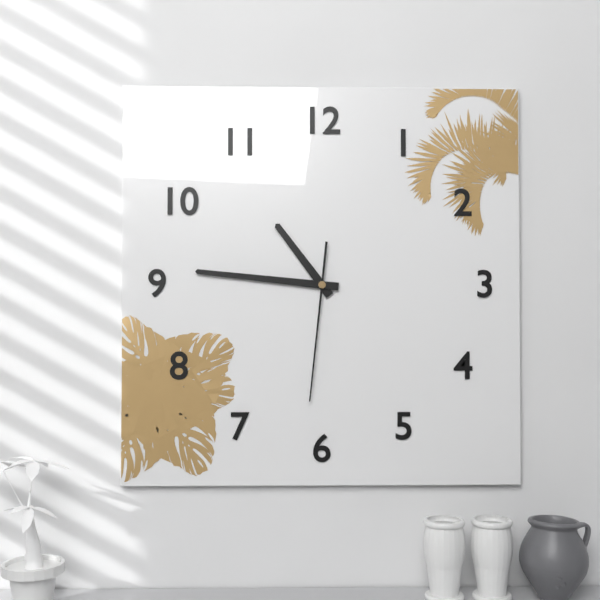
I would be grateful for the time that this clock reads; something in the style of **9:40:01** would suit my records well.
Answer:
**10:46:31**
